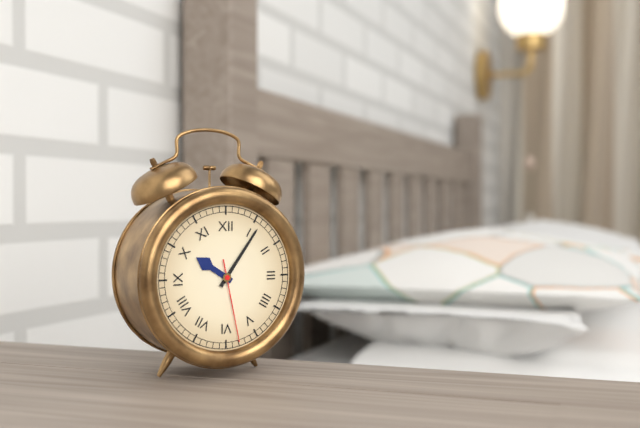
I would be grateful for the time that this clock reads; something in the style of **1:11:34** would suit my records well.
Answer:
**10:06:28**
